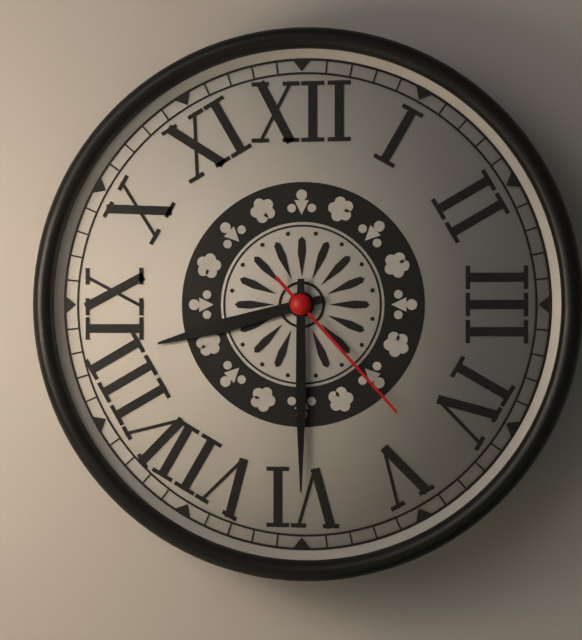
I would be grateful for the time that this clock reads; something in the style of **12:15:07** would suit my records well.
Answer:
**8:30:23**
